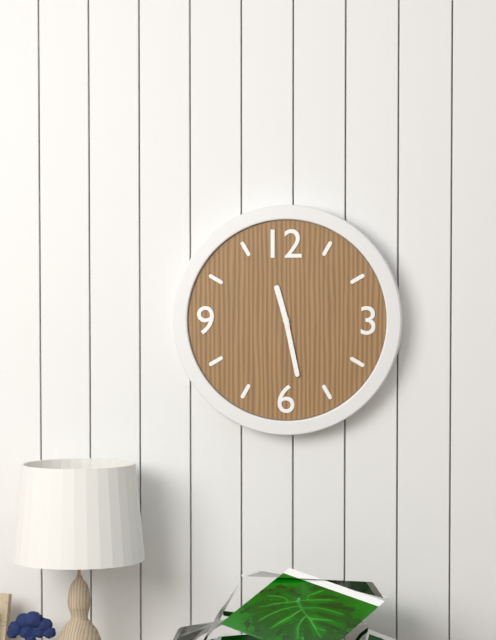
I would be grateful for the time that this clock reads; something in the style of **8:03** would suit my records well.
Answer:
**11:28**
